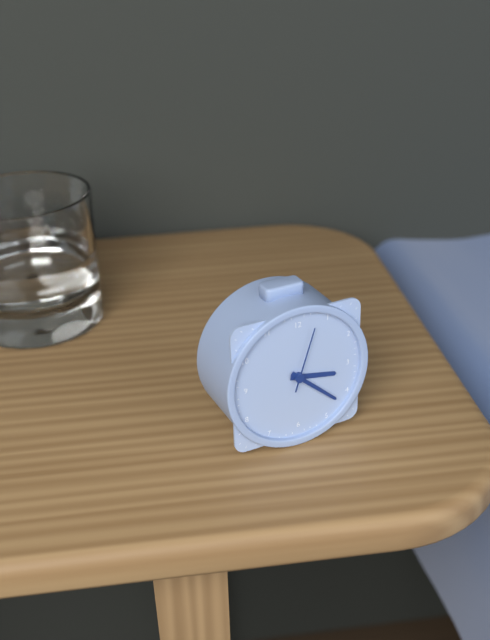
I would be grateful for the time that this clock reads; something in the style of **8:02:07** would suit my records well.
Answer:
**3:22:03**
